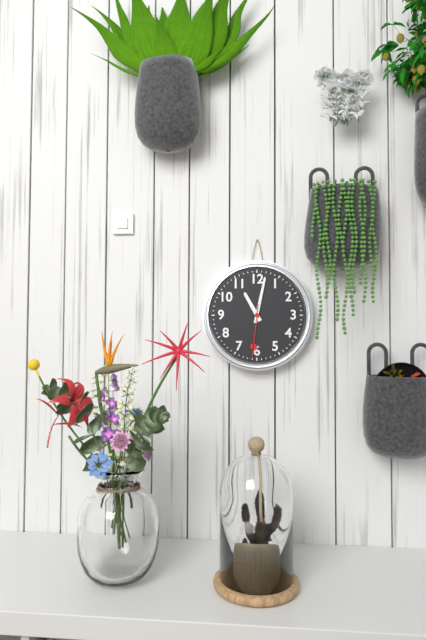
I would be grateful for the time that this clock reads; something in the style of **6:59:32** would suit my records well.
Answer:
**11:02:31**
